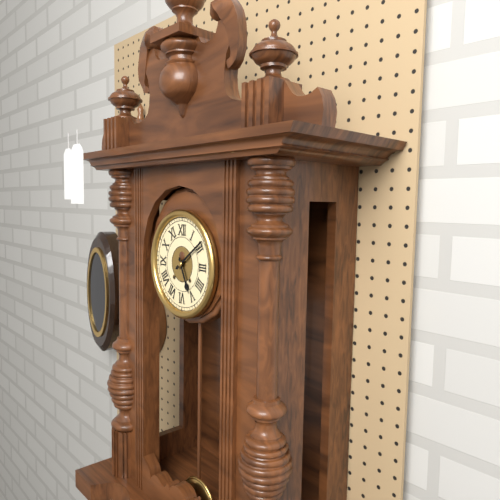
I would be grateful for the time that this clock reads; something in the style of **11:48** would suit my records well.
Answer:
**5:09**
